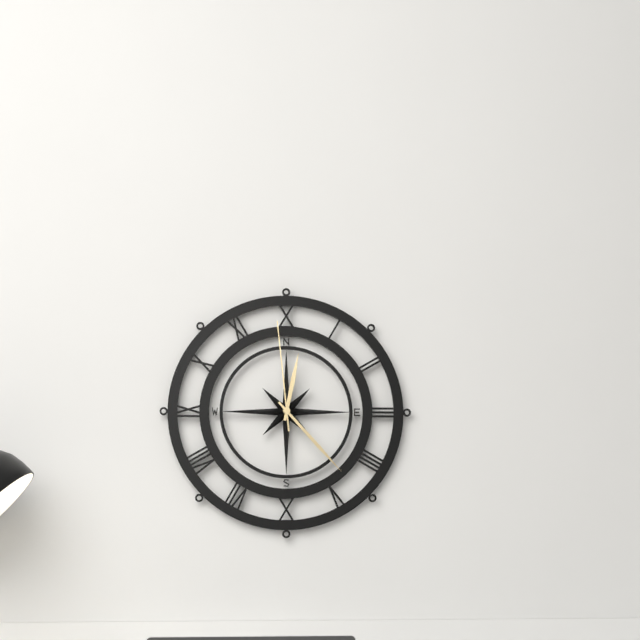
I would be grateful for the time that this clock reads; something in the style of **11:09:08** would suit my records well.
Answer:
**12:23:59**
